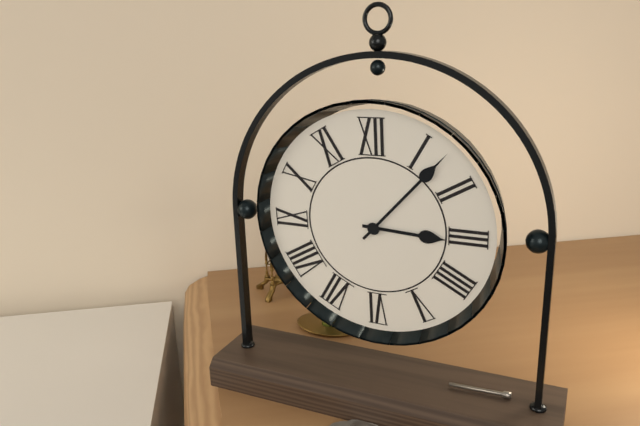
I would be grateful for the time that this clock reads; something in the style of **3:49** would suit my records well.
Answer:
**3:07**
